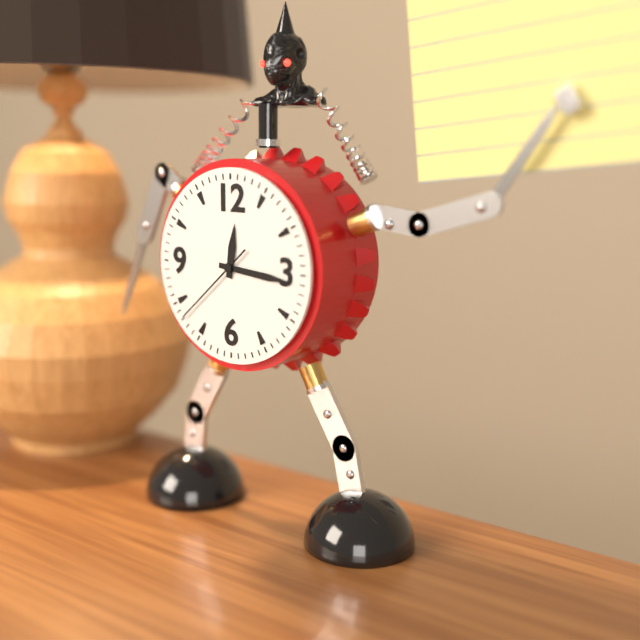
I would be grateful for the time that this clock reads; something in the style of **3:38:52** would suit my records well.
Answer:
**12:16:38**
